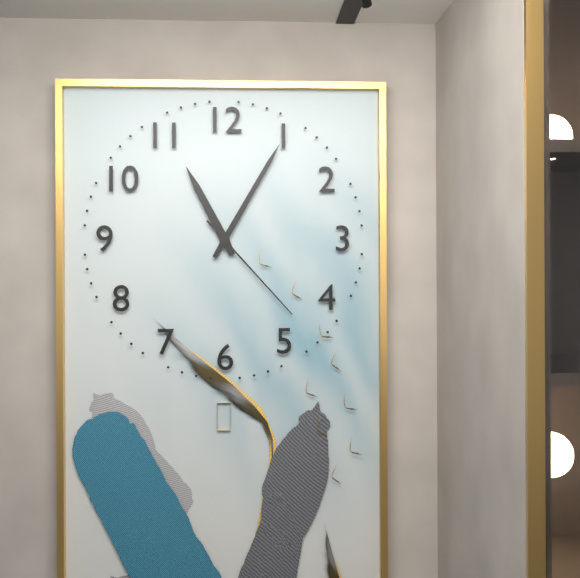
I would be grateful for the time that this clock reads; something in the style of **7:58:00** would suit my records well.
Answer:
**11:05:23**
